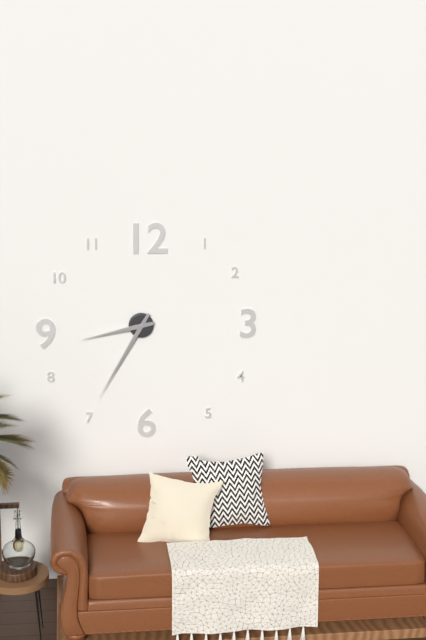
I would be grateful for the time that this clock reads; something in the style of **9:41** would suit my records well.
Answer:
**8:35**
